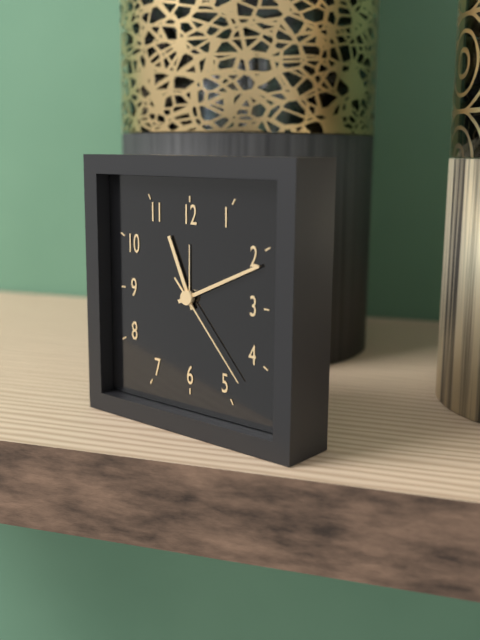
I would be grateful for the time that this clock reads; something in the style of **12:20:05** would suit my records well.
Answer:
**11:11:23**
